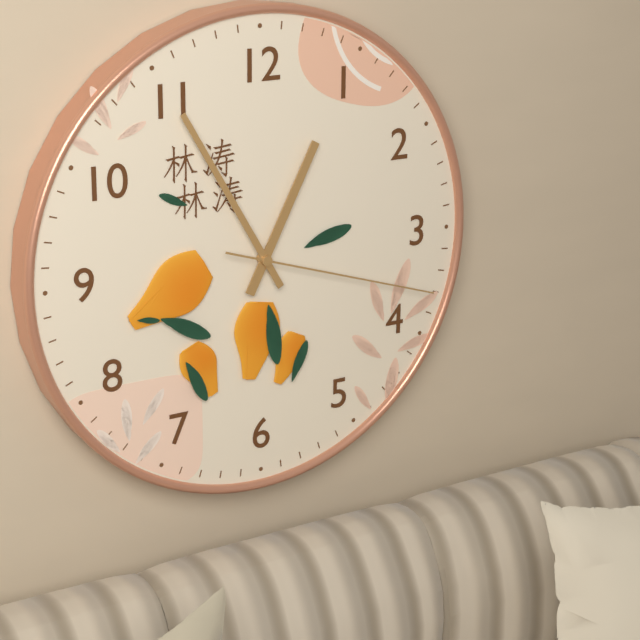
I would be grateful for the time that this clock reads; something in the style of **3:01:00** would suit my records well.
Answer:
**12:55:18**
